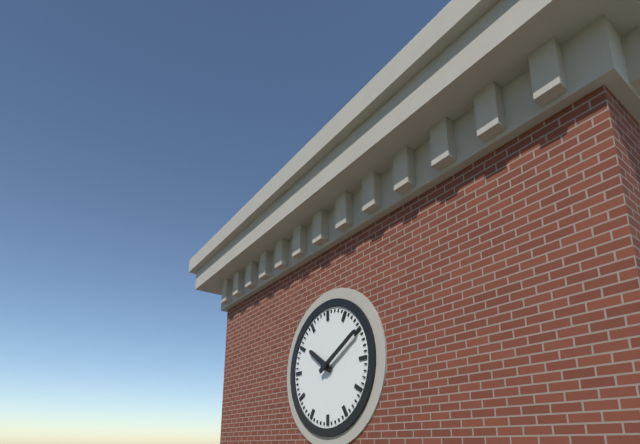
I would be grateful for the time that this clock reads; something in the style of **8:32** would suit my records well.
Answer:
**10:10**
